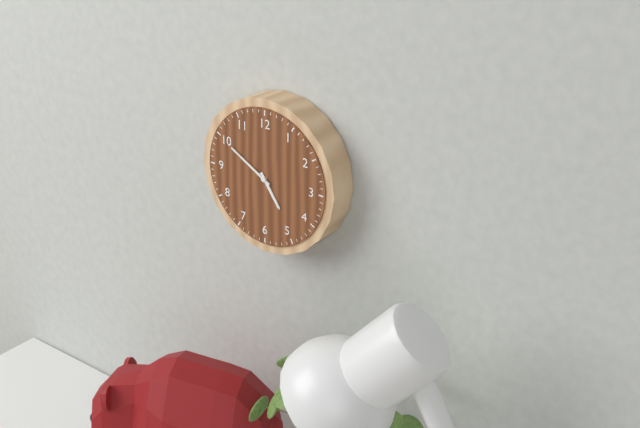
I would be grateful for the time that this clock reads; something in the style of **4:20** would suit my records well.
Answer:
**4:50**
